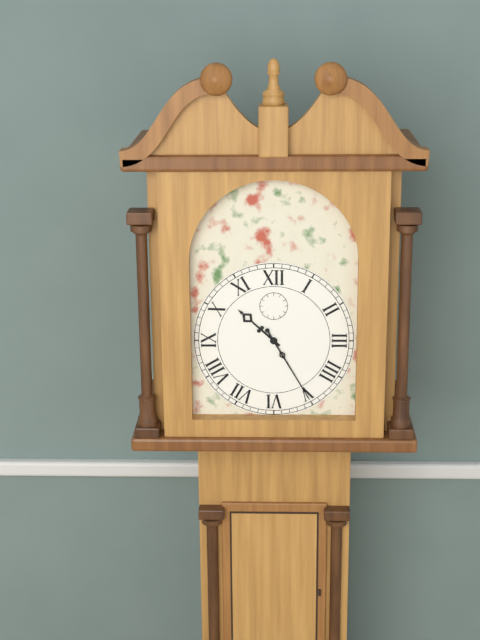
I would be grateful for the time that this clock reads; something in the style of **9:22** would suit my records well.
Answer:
**10:25**
